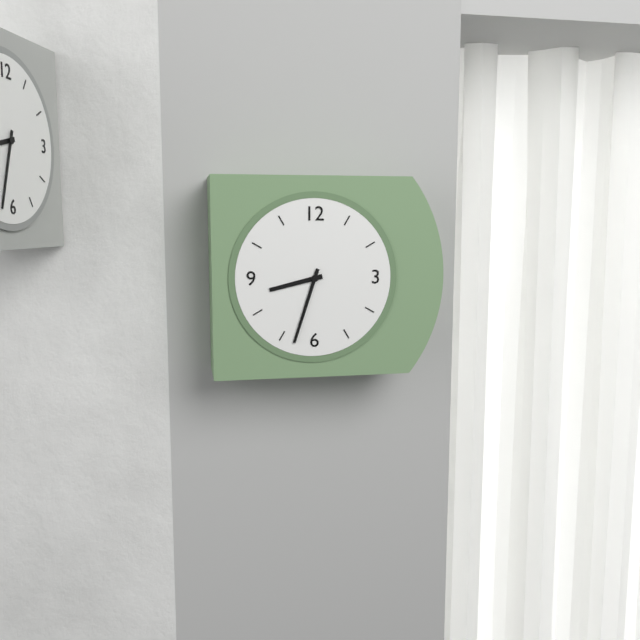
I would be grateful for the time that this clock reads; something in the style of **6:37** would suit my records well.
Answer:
**8:33**
